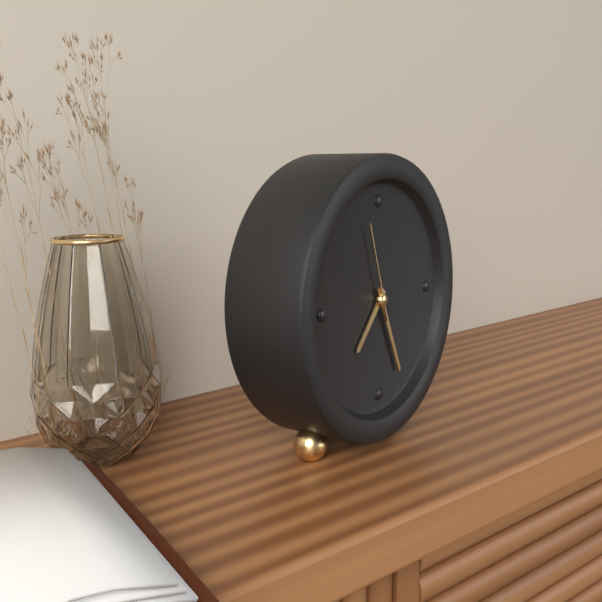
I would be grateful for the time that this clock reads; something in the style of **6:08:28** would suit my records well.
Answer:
**7:26:57**
